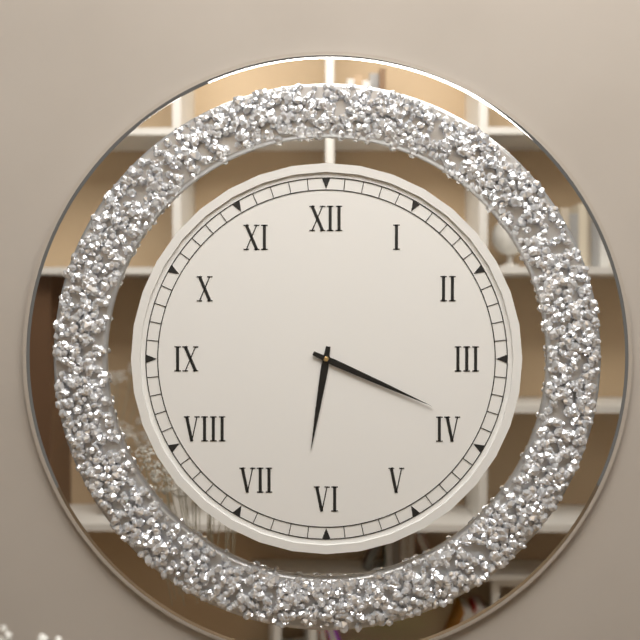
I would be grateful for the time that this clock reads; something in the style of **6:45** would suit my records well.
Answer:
**6:19**
